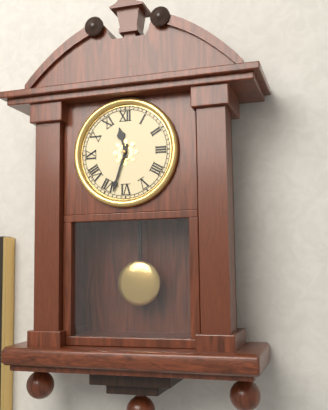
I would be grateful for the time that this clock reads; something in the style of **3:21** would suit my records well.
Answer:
**11:33**
